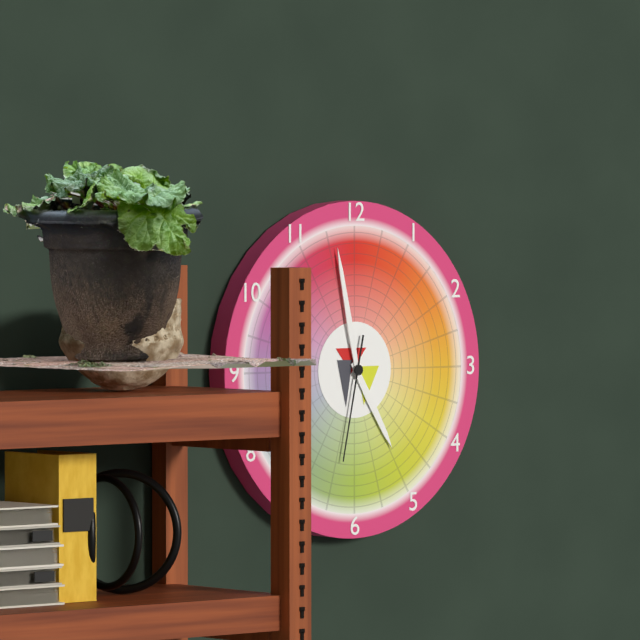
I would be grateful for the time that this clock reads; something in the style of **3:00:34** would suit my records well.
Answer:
**4:58:32**
